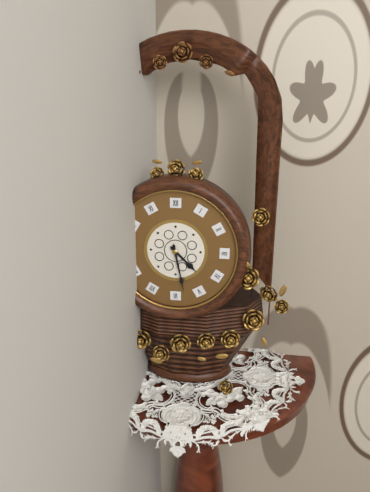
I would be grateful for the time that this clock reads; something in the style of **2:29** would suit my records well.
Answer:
**4:28**
